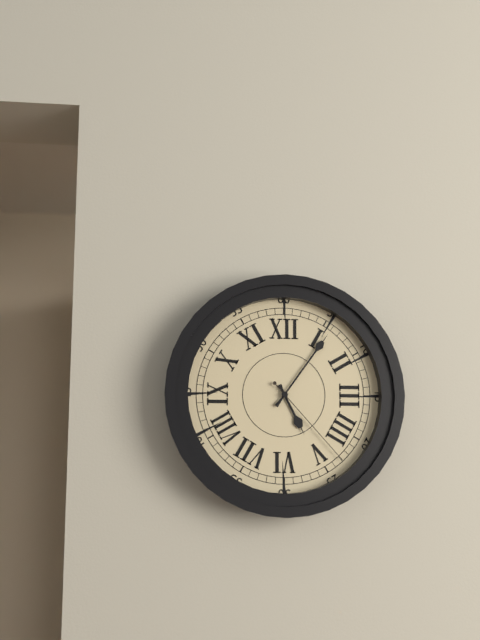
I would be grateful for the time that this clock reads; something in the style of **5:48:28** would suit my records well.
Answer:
**5:06:23**
